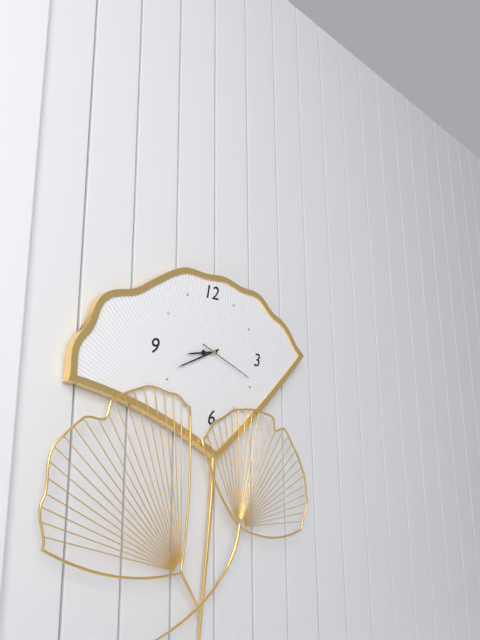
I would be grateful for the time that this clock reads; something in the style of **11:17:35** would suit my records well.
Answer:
**8:41:19**
